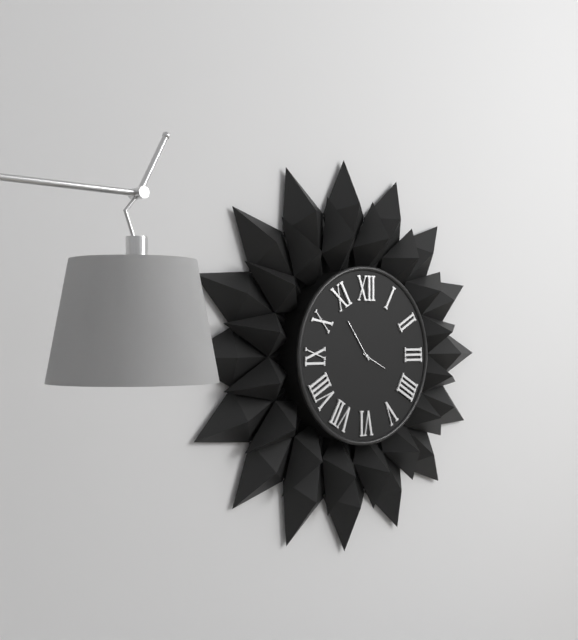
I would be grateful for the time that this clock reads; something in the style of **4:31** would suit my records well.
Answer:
**3:54**
